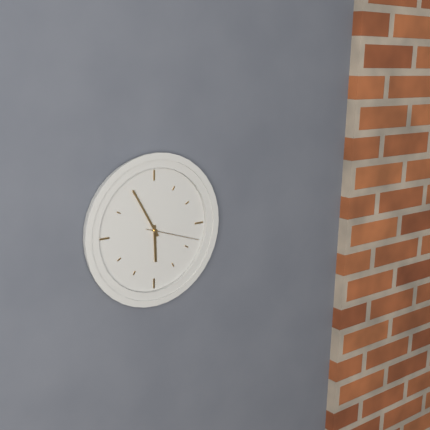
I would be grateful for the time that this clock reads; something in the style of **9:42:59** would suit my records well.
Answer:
**5:55:18**
